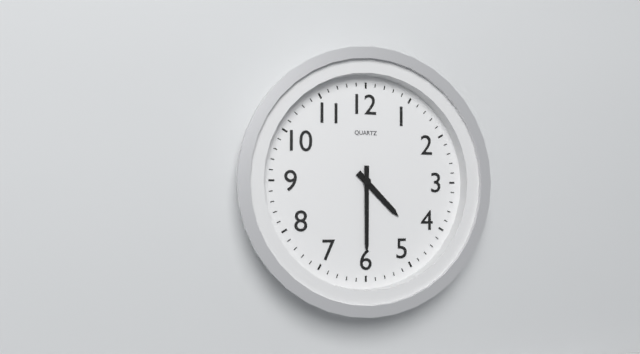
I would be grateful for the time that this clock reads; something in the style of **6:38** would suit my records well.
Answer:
**4:30**
